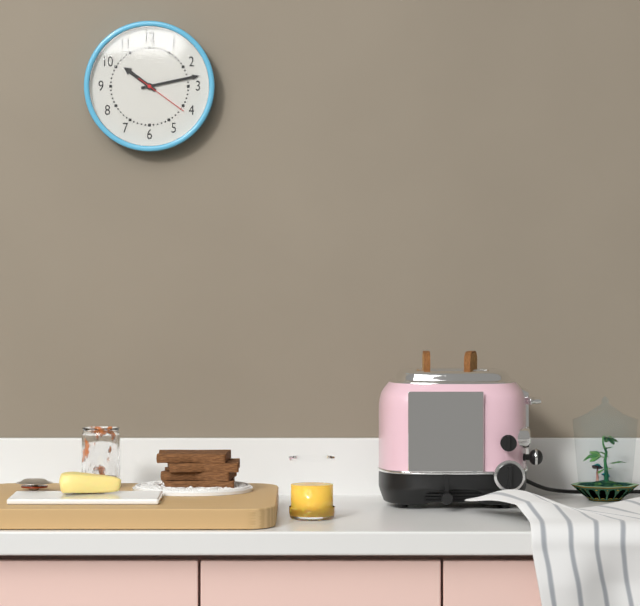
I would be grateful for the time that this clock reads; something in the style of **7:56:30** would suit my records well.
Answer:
**10:13:21**
